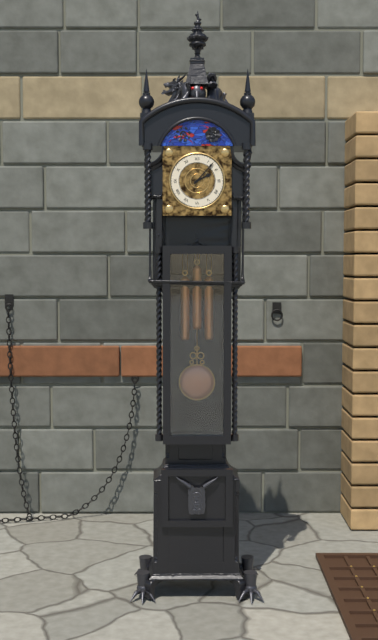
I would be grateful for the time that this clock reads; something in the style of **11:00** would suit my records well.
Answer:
**2:07**
